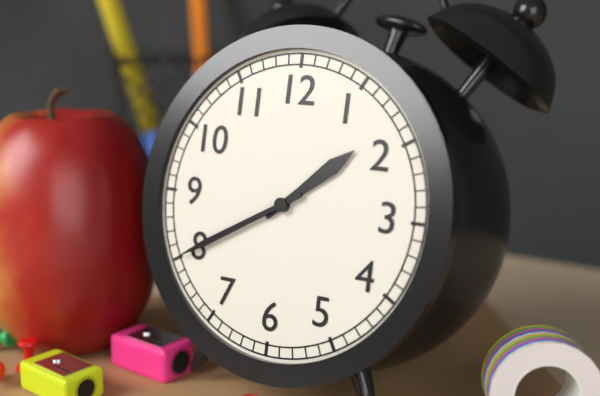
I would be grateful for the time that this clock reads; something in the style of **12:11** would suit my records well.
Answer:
**1:40**
